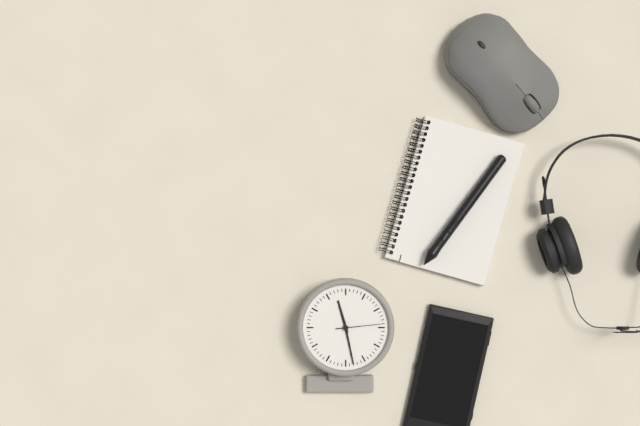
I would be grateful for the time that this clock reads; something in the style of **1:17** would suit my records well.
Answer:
**11:28**
